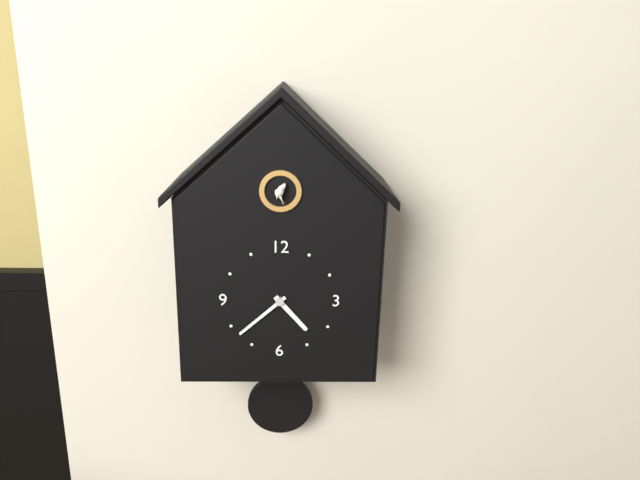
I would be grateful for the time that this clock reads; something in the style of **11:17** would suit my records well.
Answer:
**4:38**
